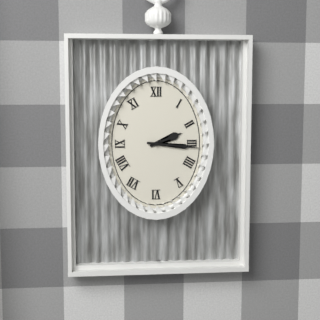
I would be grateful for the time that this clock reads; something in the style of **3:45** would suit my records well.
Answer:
**2:16**
